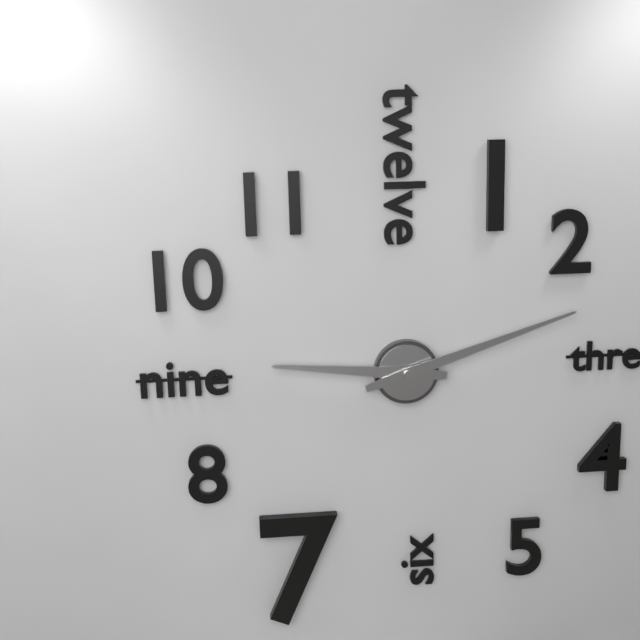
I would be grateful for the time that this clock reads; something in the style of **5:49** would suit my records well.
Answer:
**9:12**
